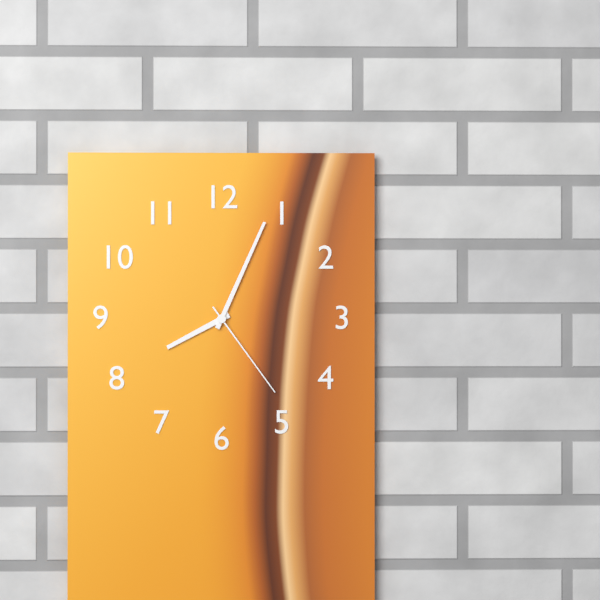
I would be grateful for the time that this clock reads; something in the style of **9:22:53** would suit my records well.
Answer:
**8:04:24**
